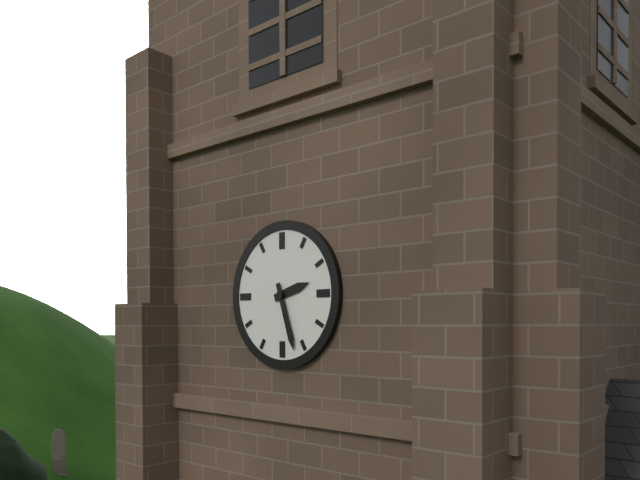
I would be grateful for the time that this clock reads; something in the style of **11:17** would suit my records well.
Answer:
**2:27**
